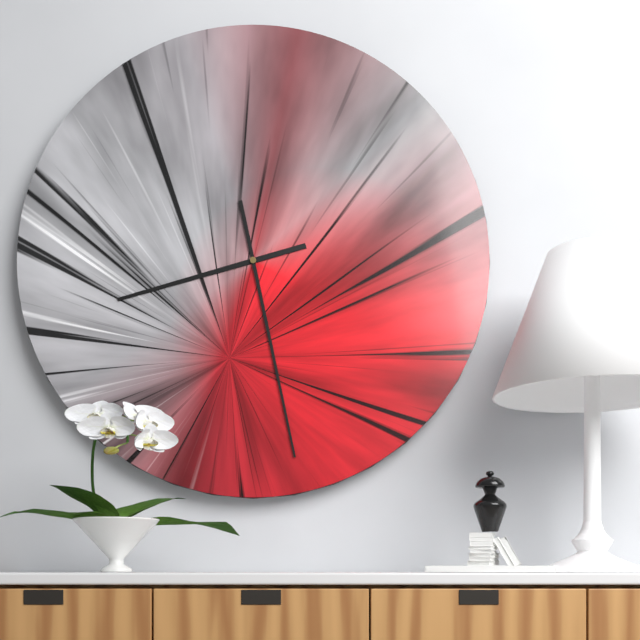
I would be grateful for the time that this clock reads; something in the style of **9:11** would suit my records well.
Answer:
**8:28**
